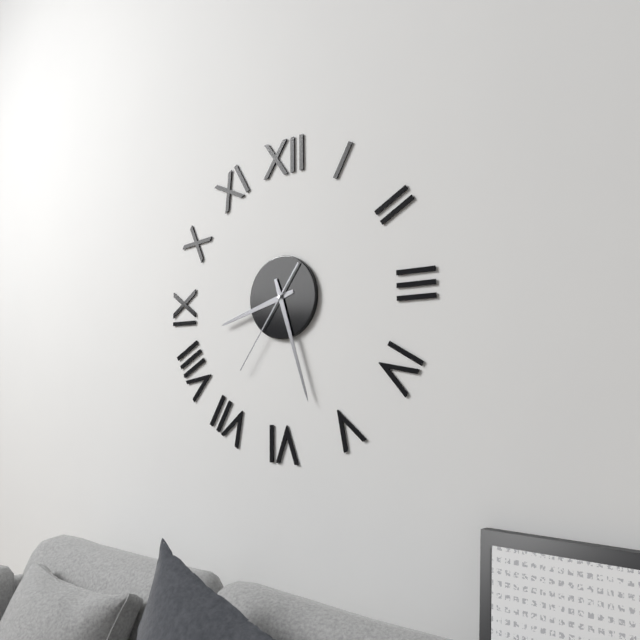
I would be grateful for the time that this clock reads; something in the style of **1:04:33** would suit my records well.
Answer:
**8:27:36**
